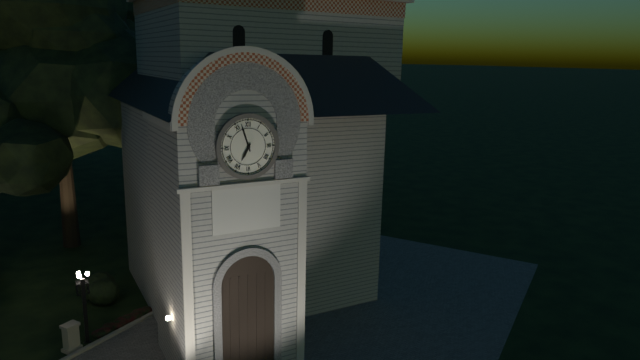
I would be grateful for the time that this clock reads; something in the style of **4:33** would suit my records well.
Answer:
**6:57**
